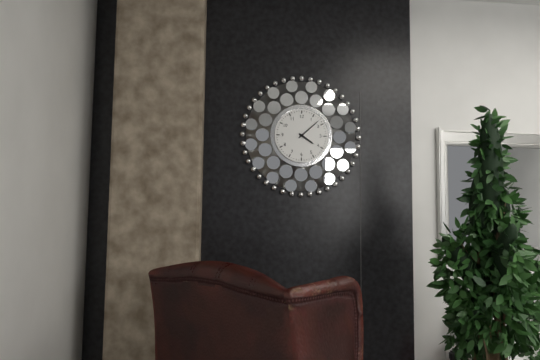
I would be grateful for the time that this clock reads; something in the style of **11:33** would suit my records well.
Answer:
**4:08**
